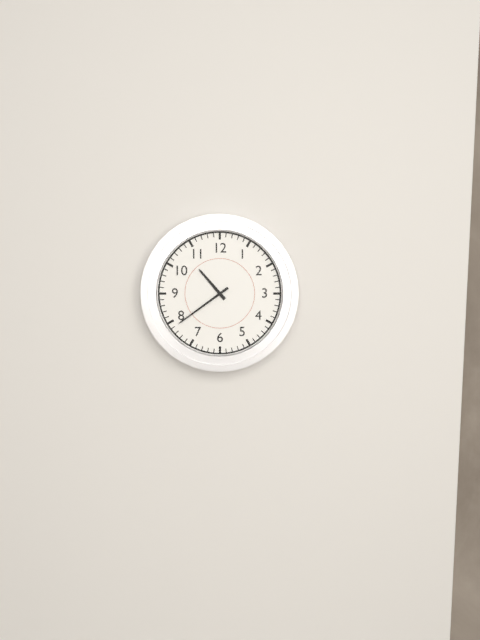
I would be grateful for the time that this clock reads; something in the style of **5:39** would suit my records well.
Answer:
**10:39**
